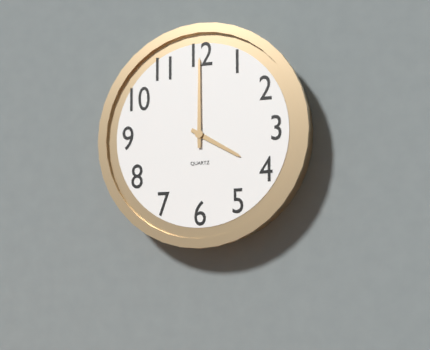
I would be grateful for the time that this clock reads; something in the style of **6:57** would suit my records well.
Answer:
**4:00**
